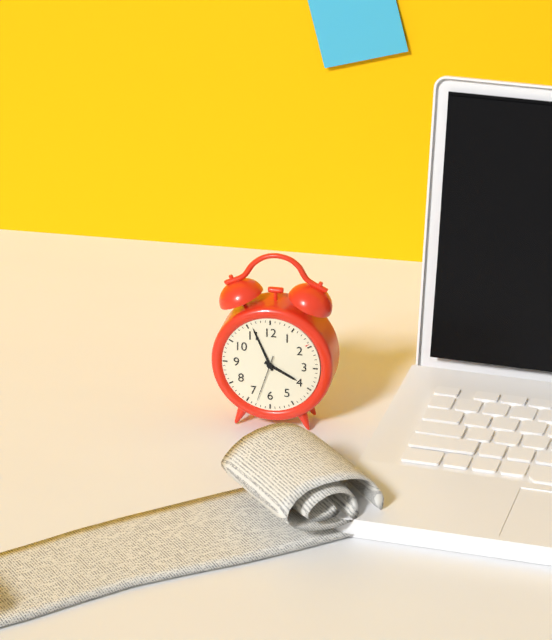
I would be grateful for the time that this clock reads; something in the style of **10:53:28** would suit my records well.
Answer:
**3:56:33**
